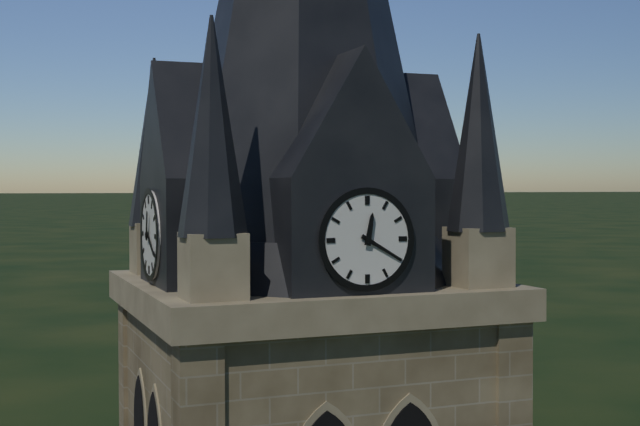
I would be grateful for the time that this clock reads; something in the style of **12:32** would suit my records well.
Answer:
**12:20**
